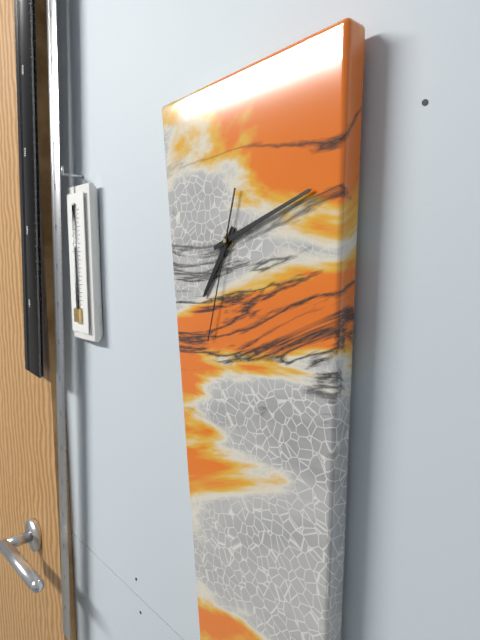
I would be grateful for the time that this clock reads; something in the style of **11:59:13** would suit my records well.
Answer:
**7:12:33**
